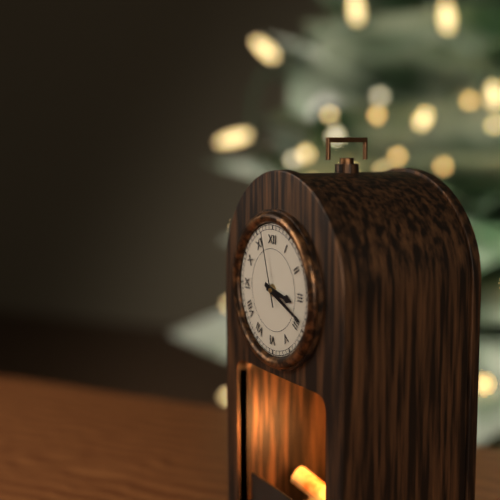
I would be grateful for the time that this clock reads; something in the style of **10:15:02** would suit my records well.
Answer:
**3:19:57**
